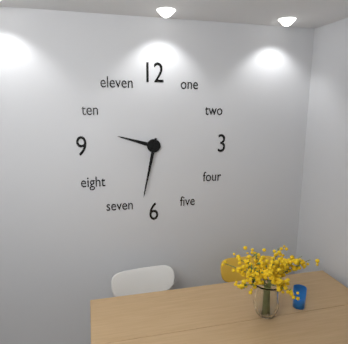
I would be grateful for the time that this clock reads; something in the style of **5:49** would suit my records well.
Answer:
**9:32**
